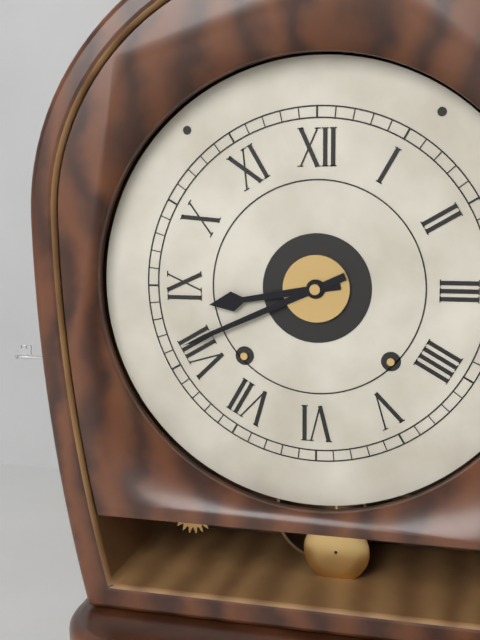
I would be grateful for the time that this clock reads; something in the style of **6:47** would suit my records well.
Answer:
**8:41**
